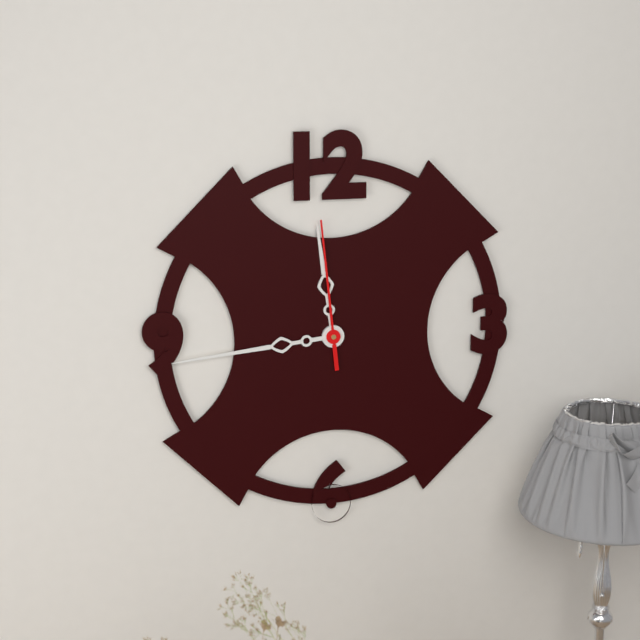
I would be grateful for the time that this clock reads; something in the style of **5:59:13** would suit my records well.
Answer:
**11:44:59**
